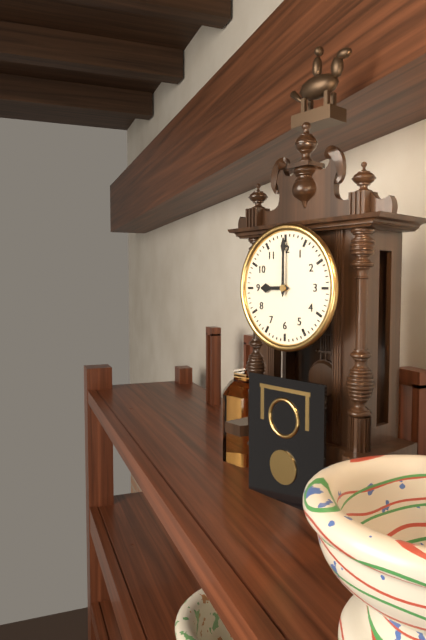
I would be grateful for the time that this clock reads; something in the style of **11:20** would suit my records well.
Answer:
**9:00**
